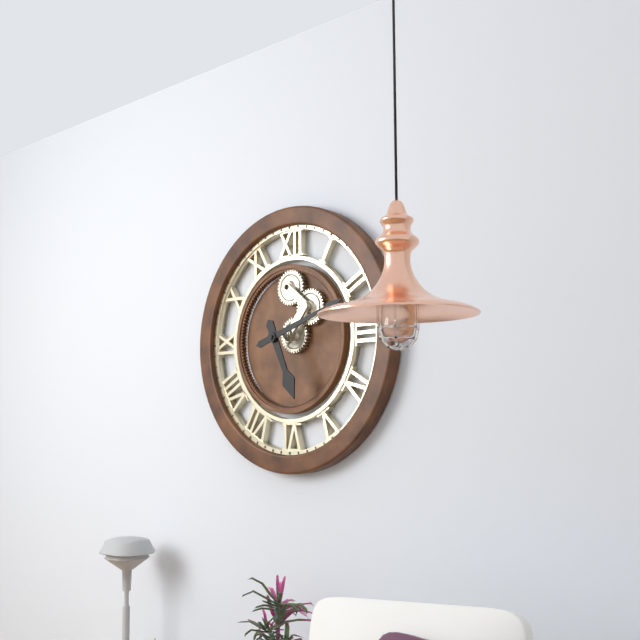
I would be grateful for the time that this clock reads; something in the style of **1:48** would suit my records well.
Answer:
**5:12**
